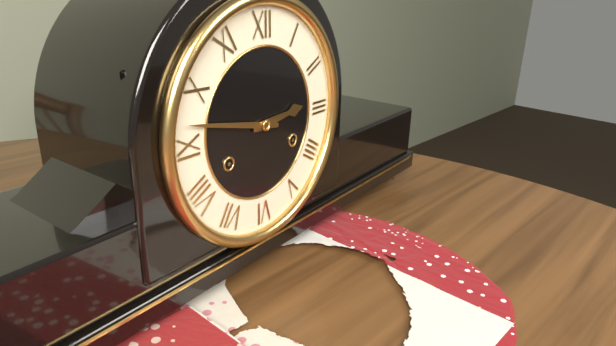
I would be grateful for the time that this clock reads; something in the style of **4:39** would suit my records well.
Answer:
**2:47**
